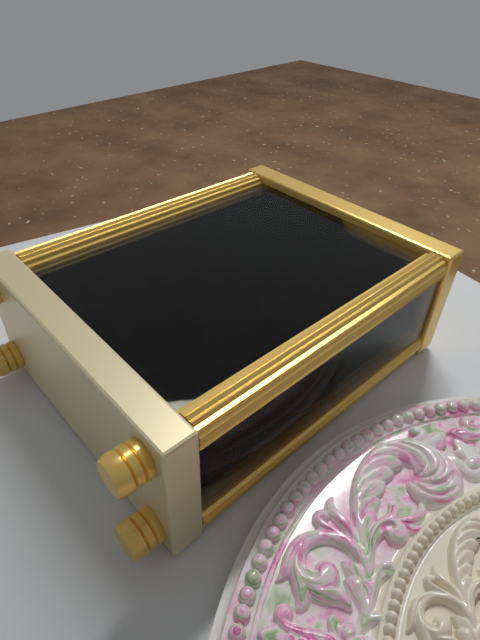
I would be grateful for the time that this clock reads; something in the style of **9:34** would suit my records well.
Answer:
**6:36**
